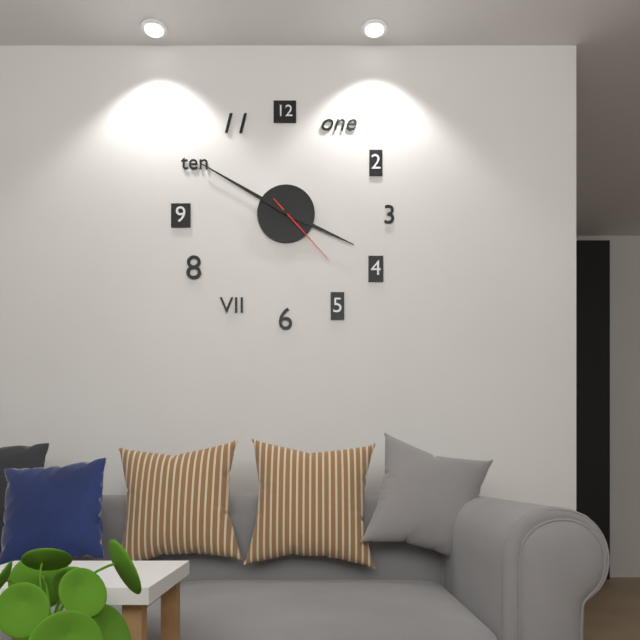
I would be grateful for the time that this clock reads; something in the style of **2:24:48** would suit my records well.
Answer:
**3:50:23**
